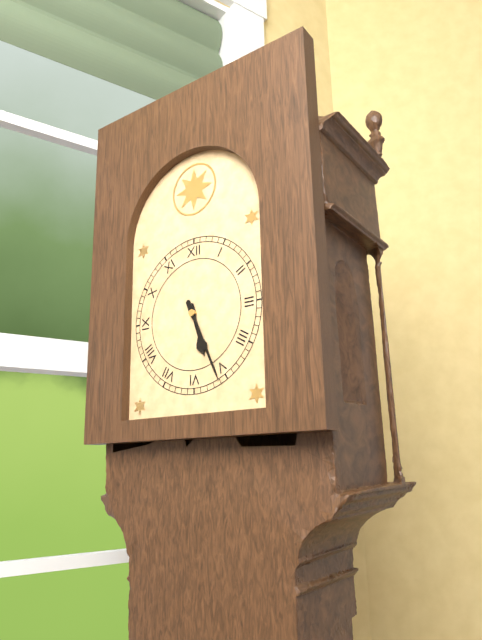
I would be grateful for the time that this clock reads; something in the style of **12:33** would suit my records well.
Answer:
**5:26**
